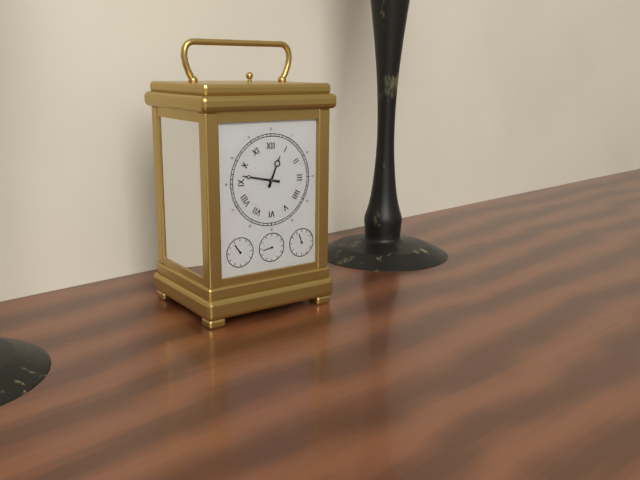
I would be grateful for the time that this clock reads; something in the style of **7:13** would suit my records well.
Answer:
**12:47**
